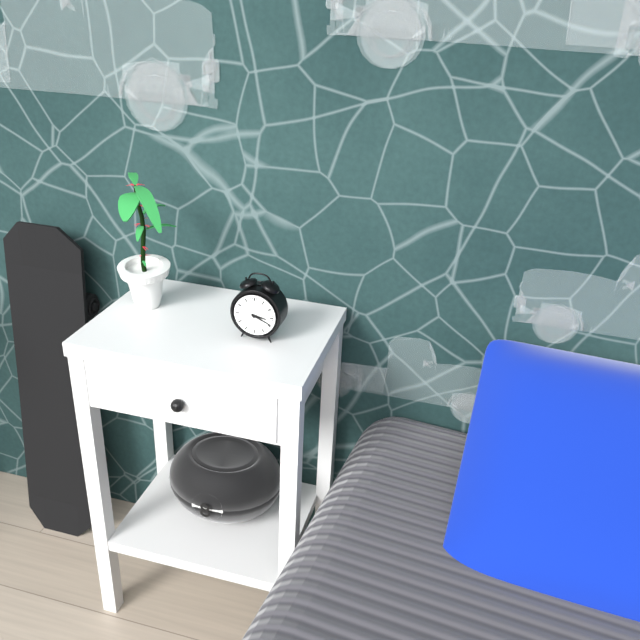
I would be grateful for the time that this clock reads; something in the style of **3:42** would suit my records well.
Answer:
**3:19**
